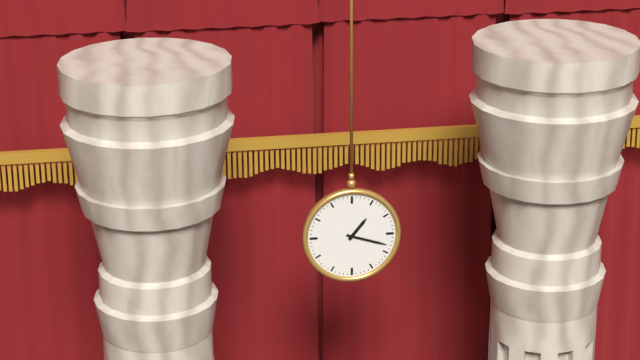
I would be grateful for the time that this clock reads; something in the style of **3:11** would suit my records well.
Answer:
**1:18**
